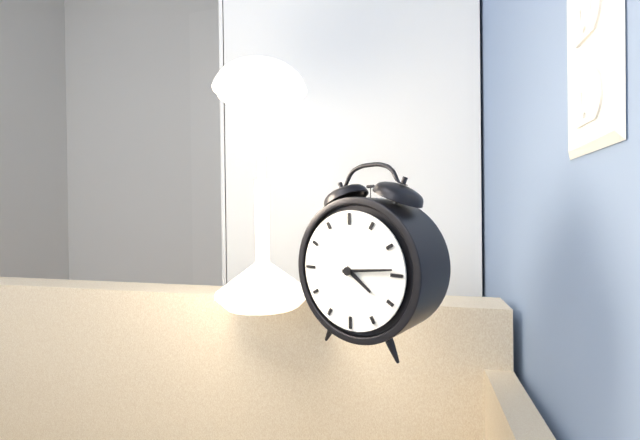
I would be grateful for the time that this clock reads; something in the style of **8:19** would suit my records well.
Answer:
**4:14**
